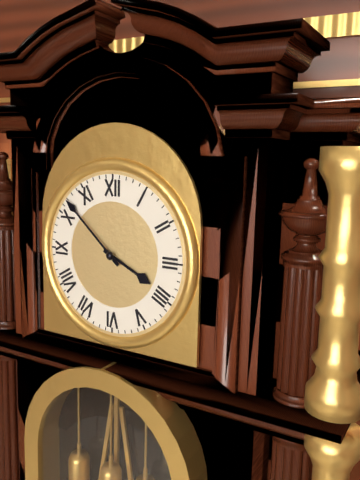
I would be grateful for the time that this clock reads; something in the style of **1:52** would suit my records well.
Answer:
**3:52**
